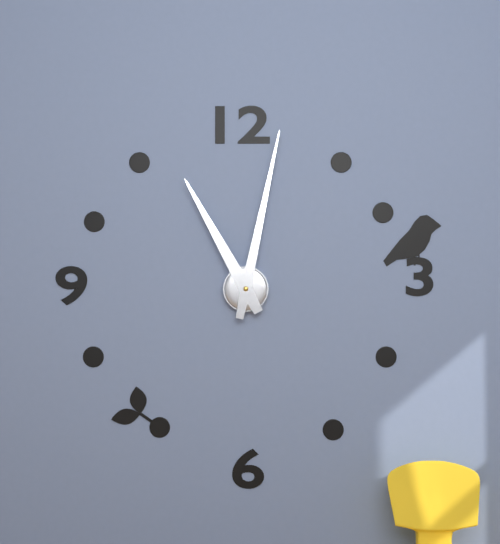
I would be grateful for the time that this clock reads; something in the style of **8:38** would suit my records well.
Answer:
**11:02**
